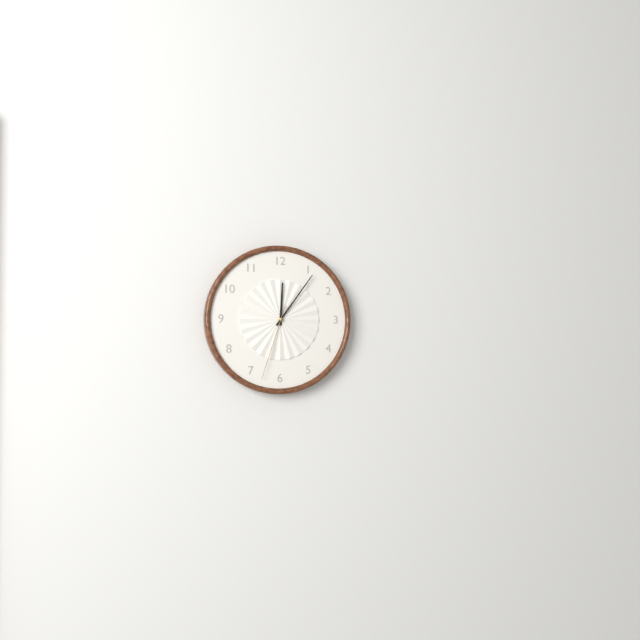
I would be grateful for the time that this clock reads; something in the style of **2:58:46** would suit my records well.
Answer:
**12:06:33**
